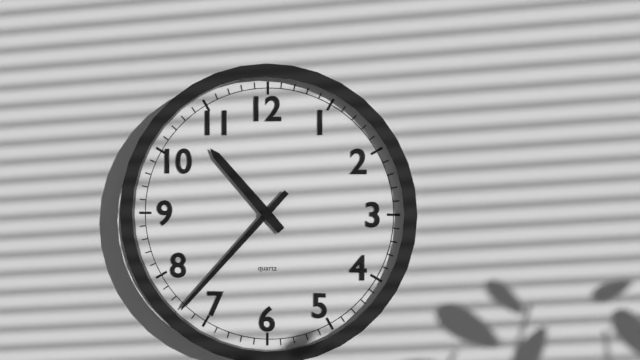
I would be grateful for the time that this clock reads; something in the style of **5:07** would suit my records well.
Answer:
**10:37**
